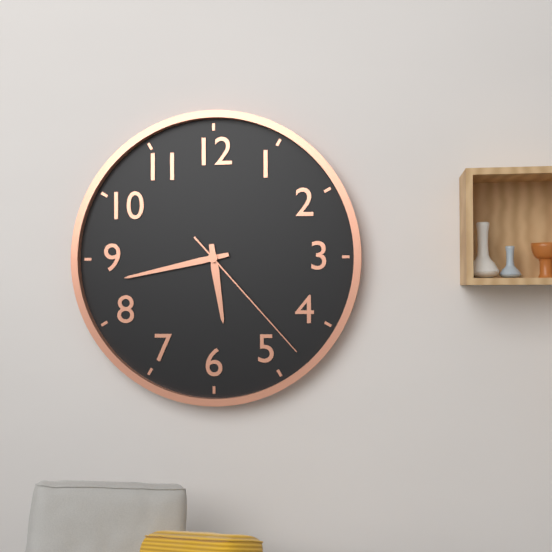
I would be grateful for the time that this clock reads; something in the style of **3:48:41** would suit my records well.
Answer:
**5:43:23**
